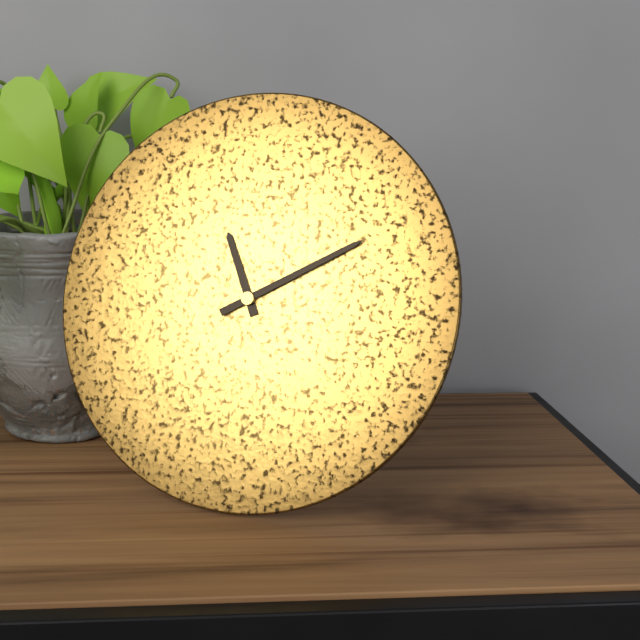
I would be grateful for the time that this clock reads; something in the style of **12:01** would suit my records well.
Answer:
**11:10**
